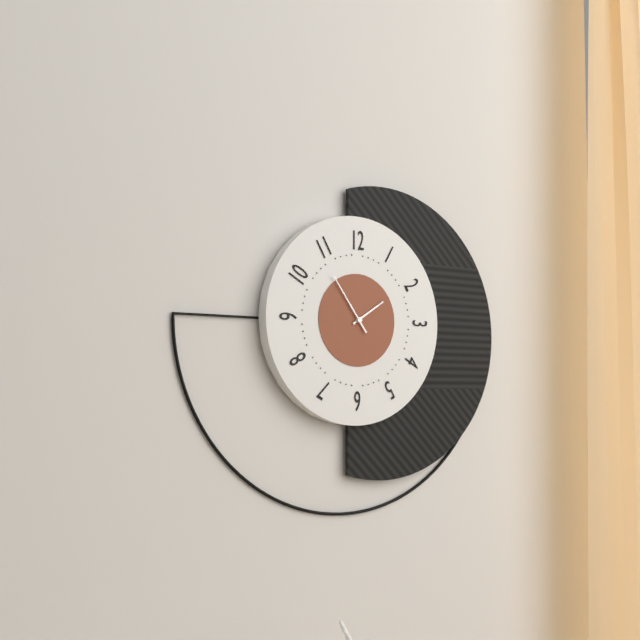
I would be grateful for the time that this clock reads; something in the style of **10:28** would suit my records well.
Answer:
**1:54**
